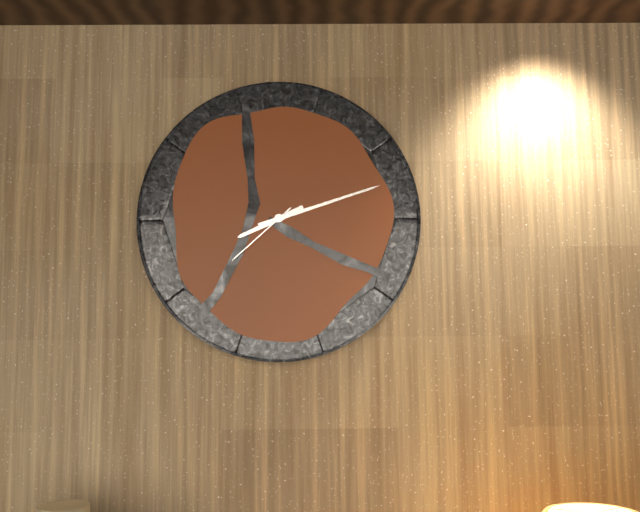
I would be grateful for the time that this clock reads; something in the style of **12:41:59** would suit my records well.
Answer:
**8:12:38**
